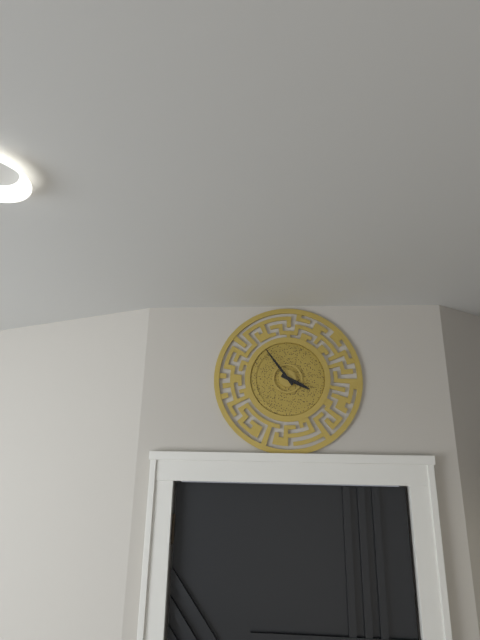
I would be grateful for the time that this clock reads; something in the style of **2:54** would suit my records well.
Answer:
**3:54**
